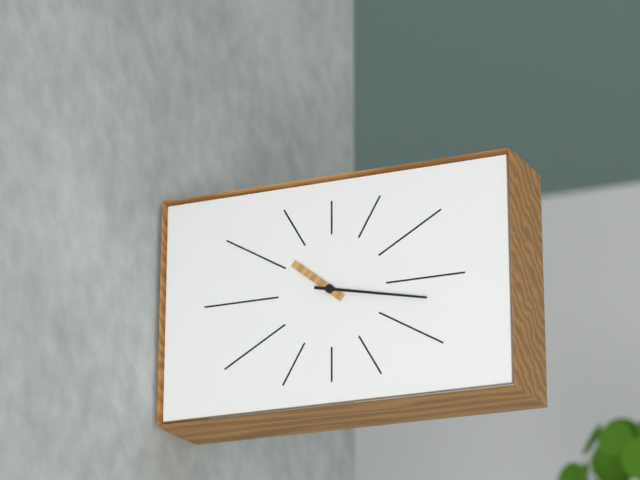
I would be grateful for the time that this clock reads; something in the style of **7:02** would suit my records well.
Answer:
**10:17**
